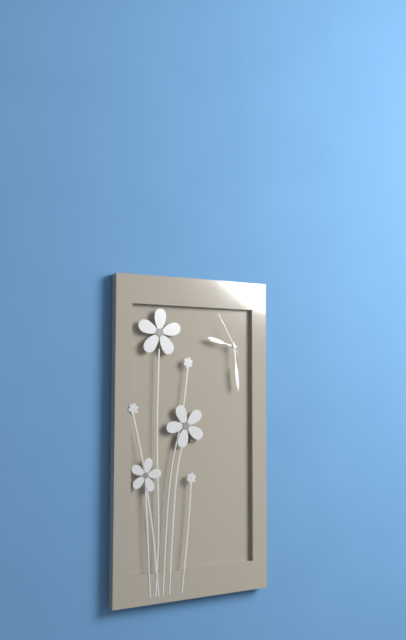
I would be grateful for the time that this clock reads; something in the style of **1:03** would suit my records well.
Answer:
**9:29**
